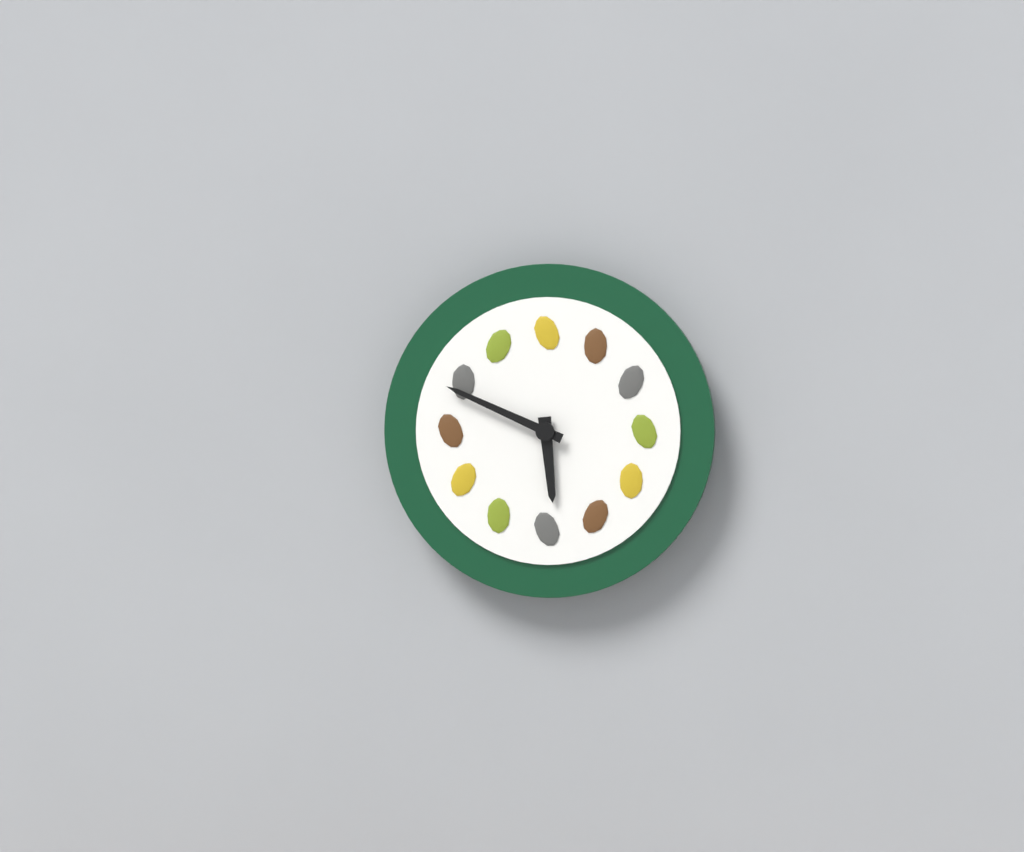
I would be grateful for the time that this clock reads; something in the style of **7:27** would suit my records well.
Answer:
**5:49**
